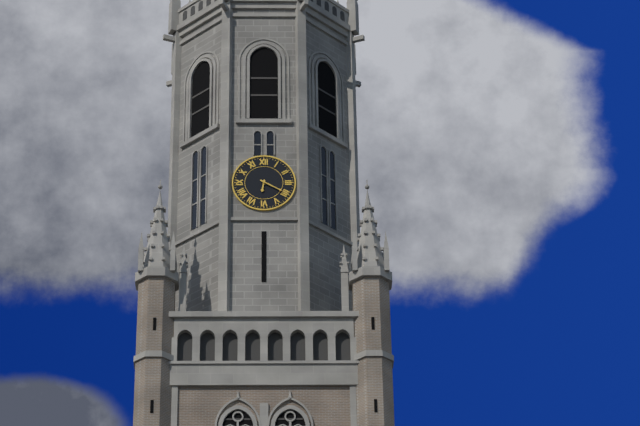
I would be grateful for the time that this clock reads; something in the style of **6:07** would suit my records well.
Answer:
**6:20**
